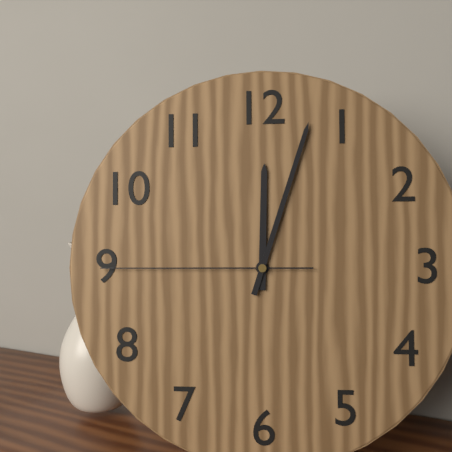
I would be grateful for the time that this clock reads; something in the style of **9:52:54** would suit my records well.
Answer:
**12:03:45**
